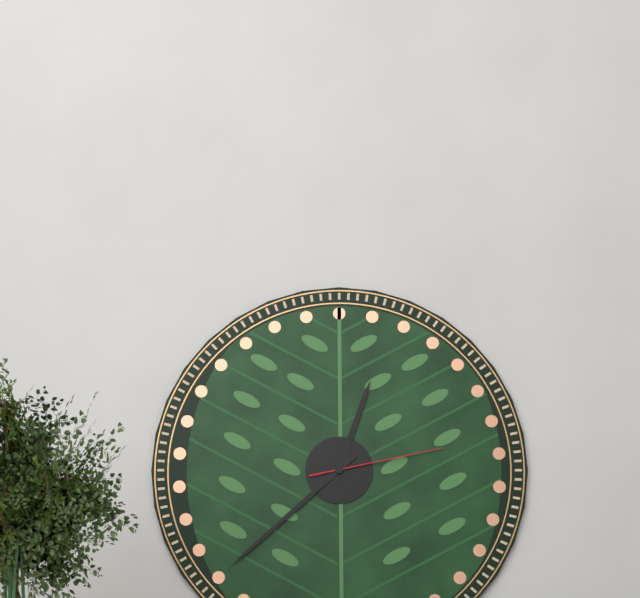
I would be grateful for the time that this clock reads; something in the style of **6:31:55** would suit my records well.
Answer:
**12:38:13**
